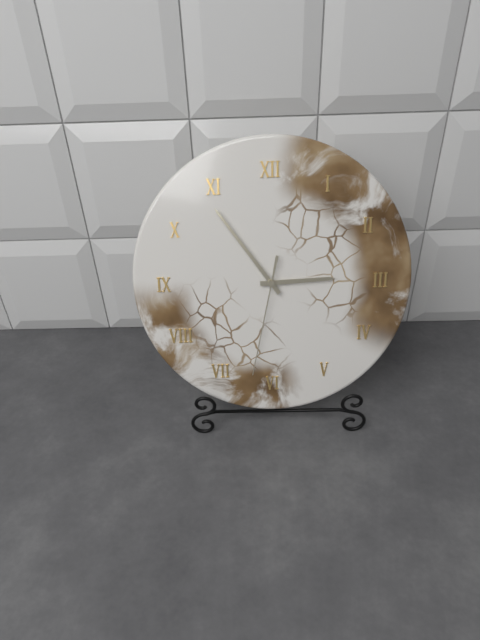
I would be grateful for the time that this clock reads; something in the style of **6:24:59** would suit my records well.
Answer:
**2:54:32**
